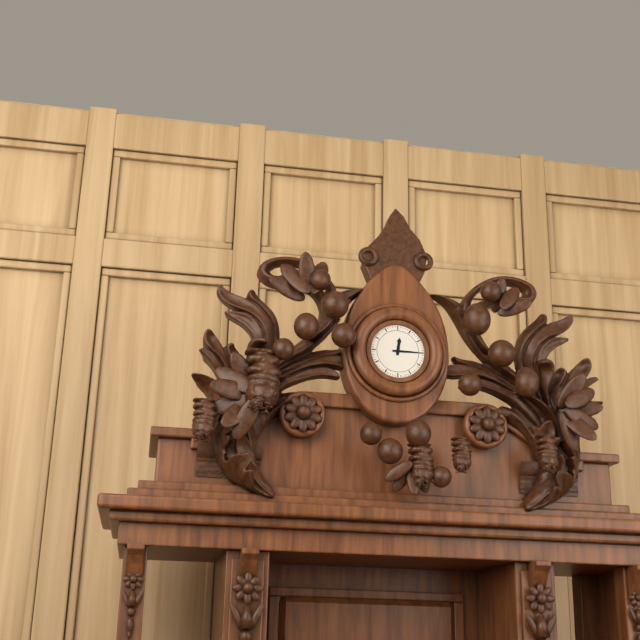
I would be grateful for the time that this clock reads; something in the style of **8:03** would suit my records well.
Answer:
**12:15**
